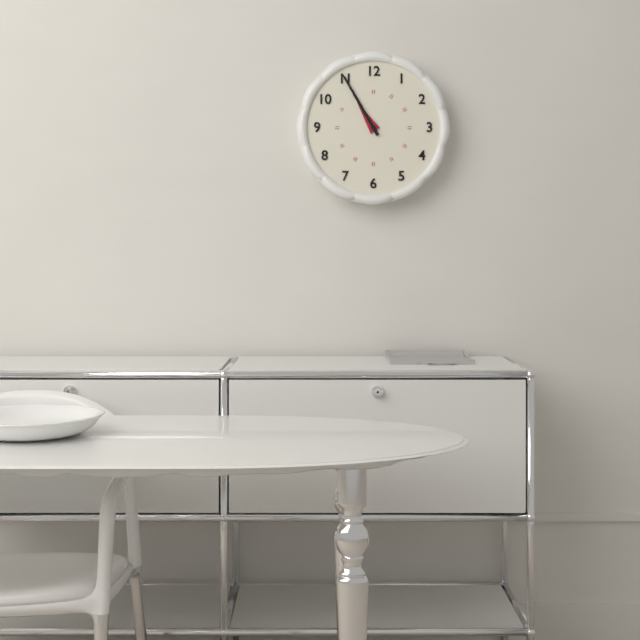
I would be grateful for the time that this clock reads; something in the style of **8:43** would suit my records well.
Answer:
**10:55**
